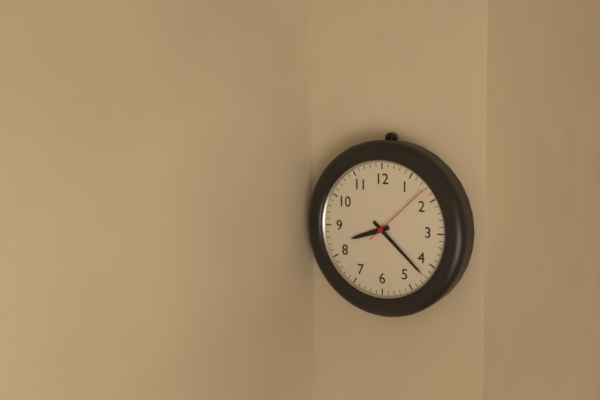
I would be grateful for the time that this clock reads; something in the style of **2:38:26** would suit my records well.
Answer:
**8:22:08**
